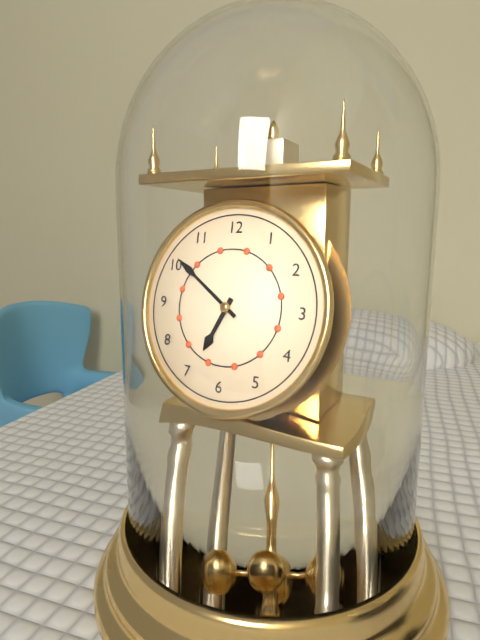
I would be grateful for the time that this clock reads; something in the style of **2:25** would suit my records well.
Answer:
**6:51**
